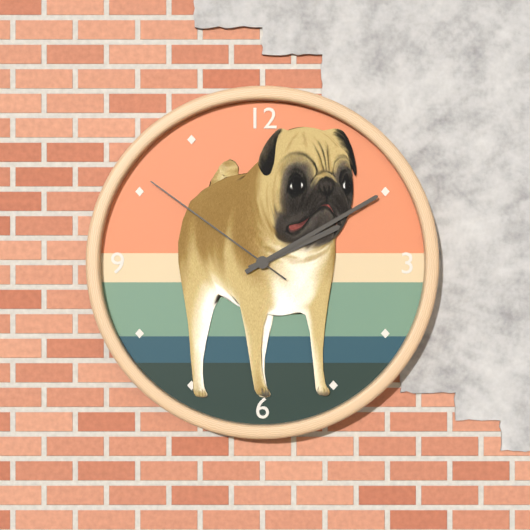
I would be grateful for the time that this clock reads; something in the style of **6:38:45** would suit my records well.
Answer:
**2:10:51**
